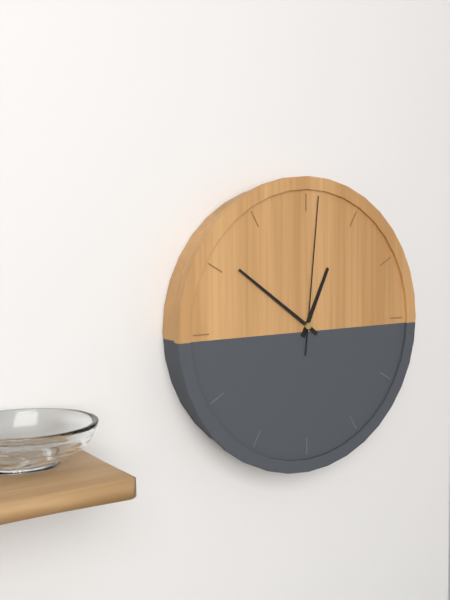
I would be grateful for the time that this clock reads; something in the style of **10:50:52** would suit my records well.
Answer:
**12:51:01**
